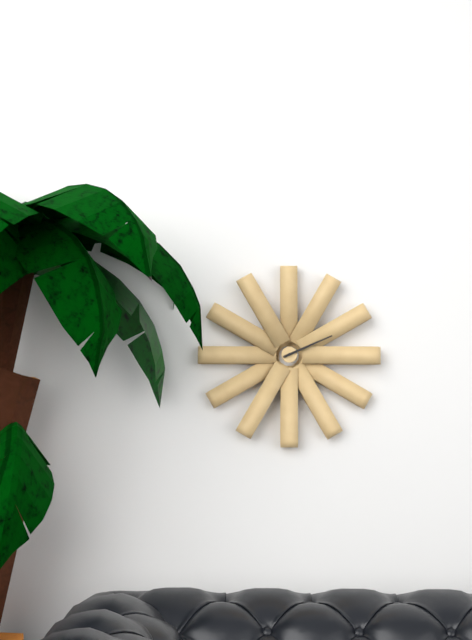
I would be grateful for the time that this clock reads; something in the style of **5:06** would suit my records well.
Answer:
**2:11**
